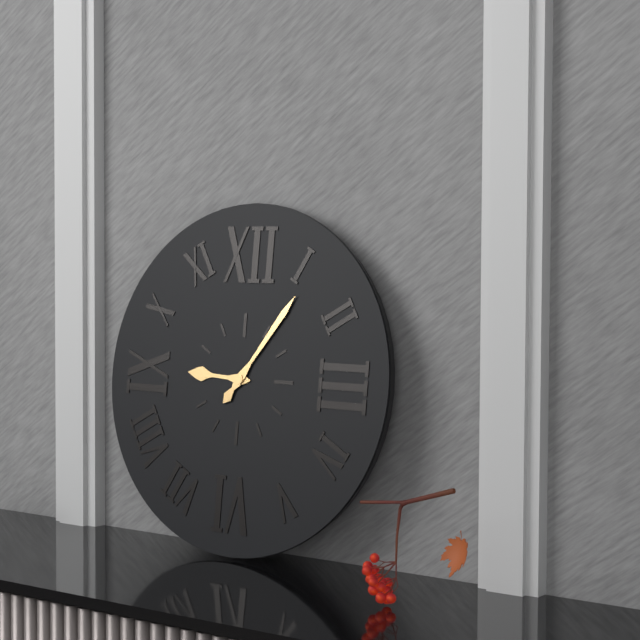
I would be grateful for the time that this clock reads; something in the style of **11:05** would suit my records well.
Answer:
**9:06**
